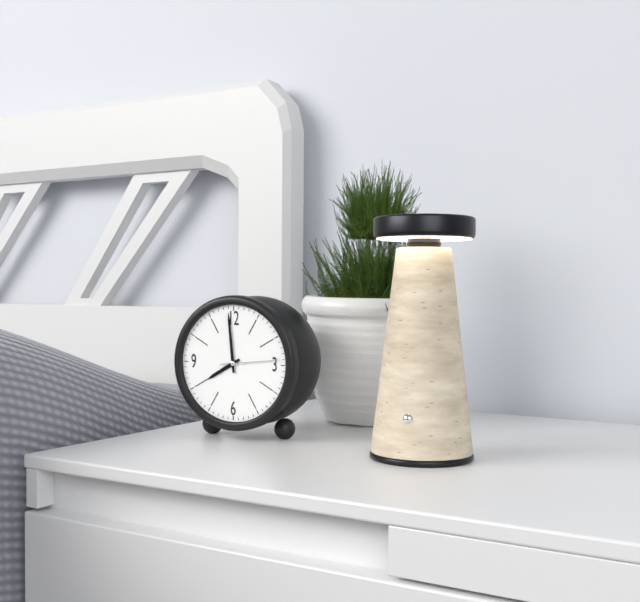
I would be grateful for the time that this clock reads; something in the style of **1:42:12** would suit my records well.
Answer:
**7:59:14**
